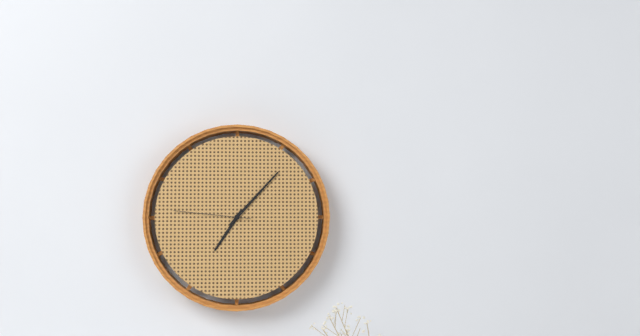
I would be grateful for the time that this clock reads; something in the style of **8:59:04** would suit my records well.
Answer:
**7:07:46**
